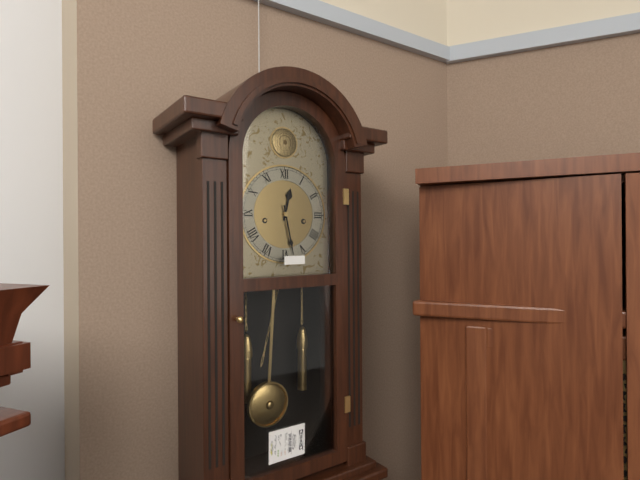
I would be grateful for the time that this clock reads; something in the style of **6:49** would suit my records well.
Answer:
**12:28**
